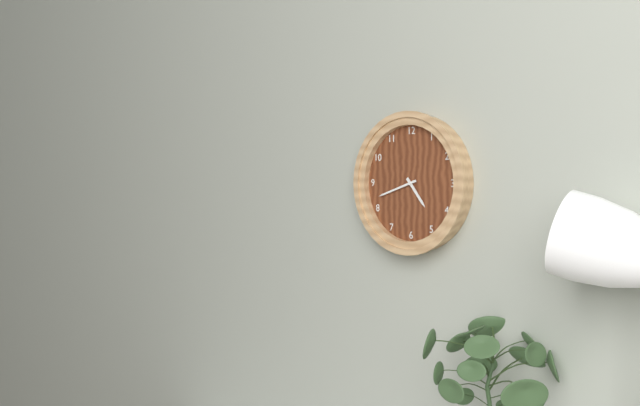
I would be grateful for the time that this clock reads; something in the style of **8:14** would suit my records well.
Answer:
**4:42**
